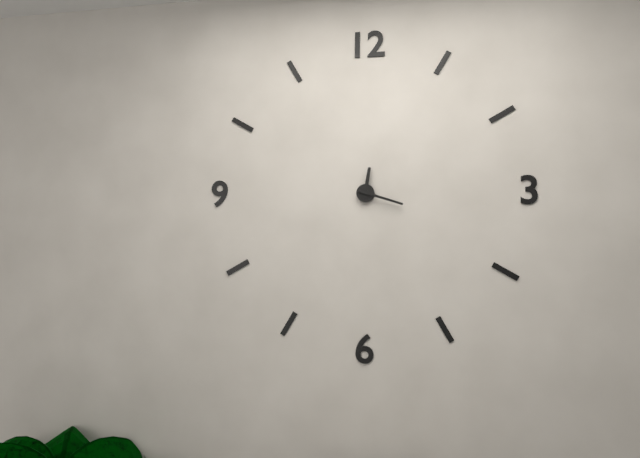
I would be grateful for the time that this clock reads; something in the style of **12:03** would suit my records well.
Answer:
**12:18**
